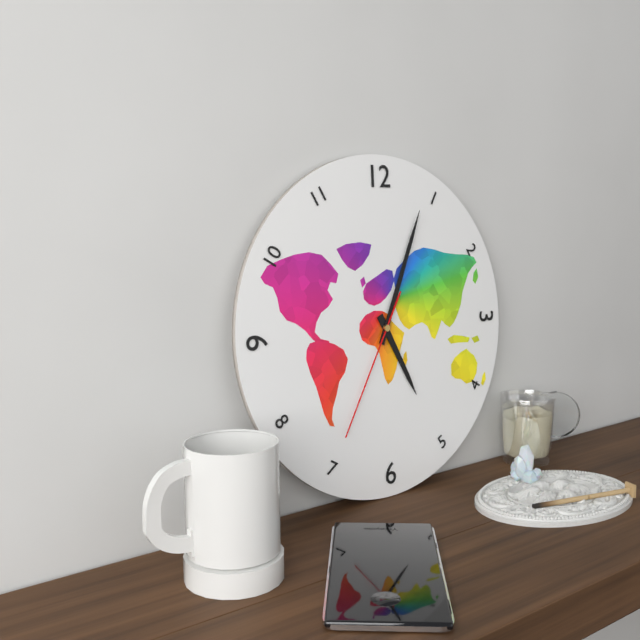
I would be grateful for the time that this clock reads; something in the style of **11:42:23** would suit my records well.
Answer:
**5:04:35**
